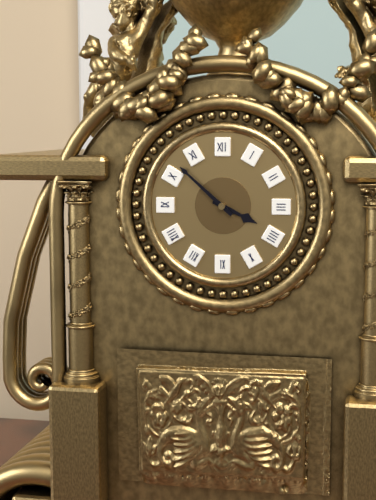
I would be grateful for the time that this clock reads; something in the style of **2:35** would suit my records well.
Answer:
**3:52**
